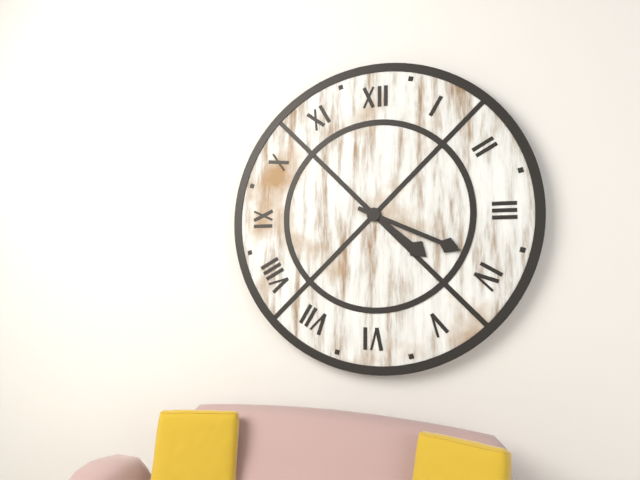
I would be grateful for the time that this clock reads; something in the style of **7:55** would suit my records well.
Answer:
**4:19**
